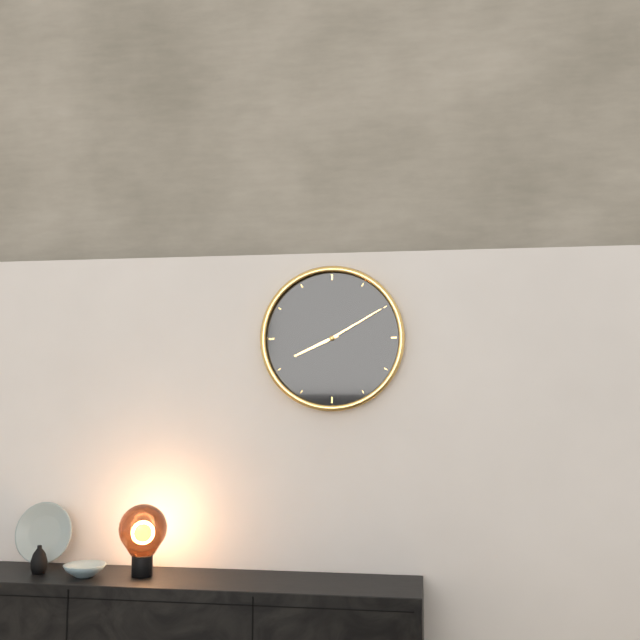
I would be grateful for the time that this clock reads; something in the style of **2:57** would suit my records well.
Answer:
**8:10**
